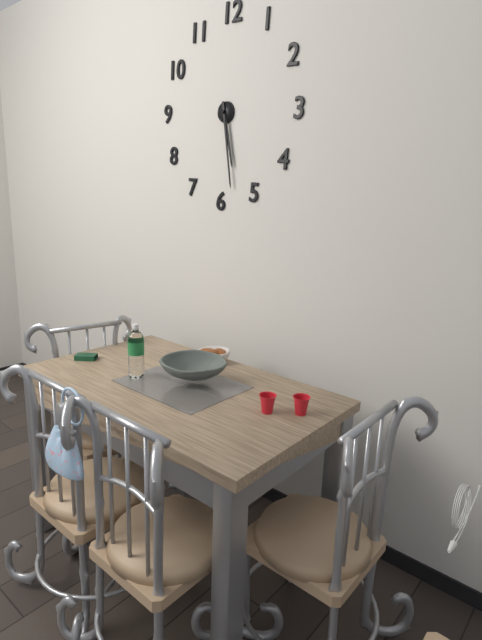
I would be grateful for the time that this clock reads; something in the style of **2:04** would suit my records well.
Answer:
**5:28**
